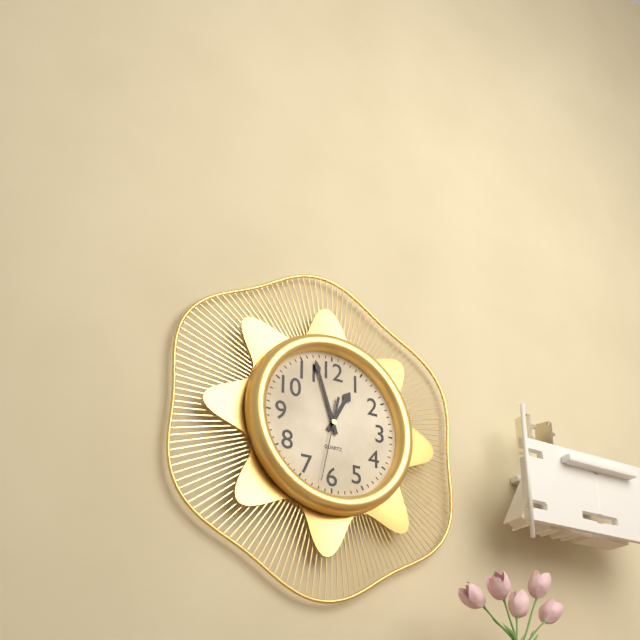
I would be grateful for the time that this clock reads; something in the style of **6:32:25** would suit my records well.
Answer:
**12:57:32**
